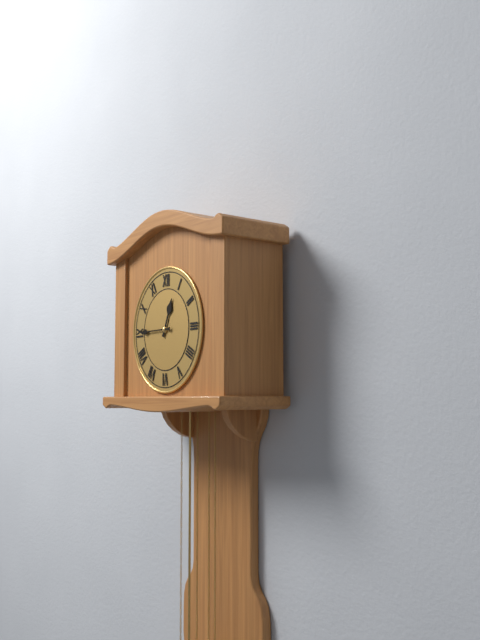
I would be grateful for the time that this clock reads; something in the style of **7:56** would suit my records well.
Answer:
**12:45**
